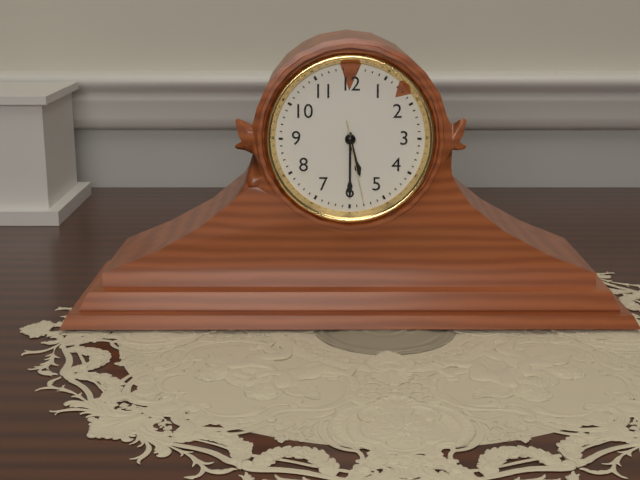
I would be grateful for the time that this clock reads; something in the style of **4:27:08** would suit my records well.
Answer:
**5:30:28**
